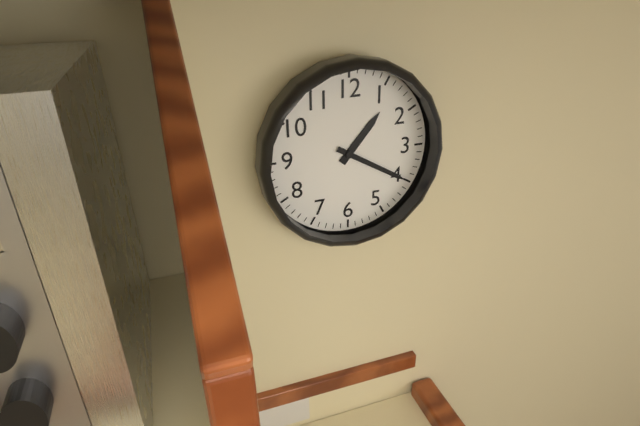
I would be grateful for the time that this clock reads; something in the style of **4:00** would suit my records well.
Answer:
**1:20**
